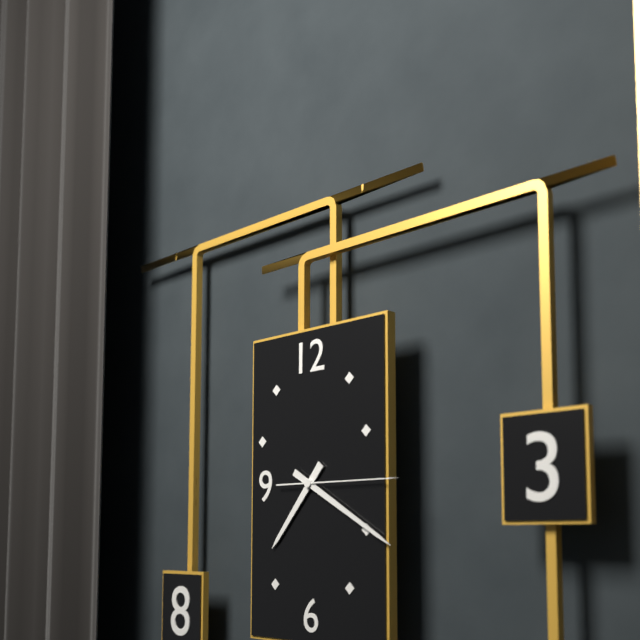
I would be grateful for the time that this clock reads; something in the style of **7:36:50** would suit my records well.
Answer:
**7:20:15**
